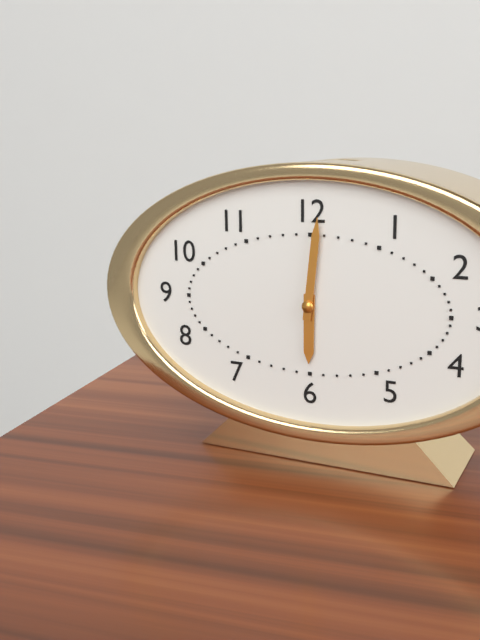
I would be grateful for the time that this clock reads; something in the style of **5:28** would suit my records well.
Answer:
**6:01**
